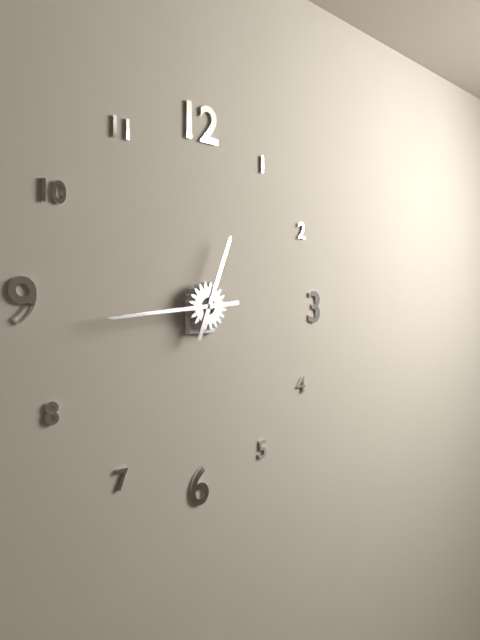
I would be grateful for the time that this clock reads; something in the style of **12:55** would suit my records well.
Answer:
**12:44**
